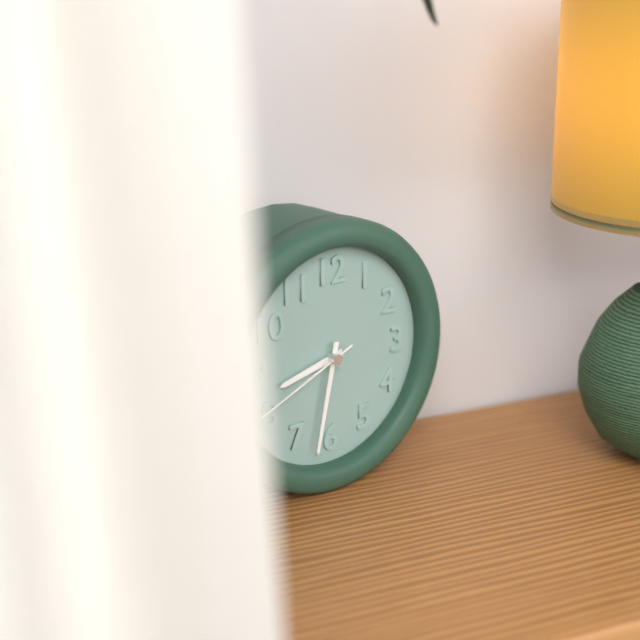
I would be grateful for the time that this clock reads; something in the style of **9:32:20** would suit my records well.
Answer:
**8:32:41**
